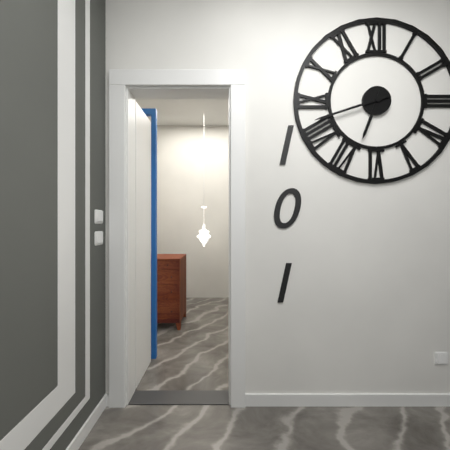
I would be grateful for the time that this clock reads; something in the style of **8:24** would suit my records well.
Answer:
**6:42**
